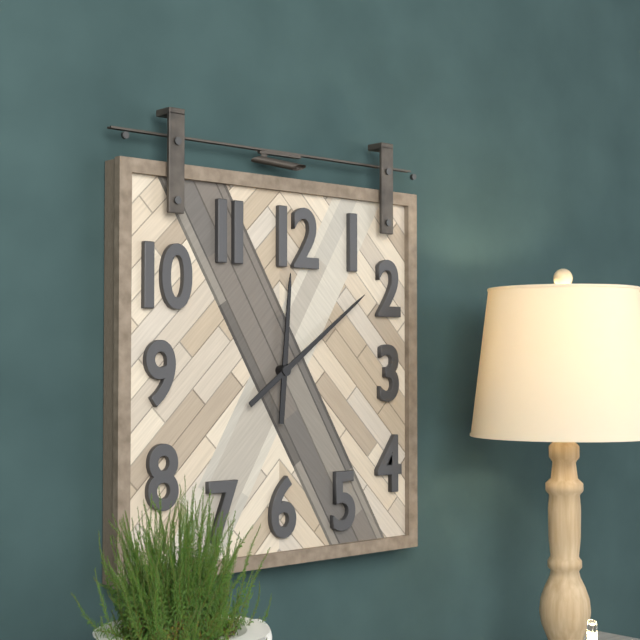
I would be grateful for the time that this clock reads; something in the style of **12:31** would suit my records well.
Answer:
**12:09**
